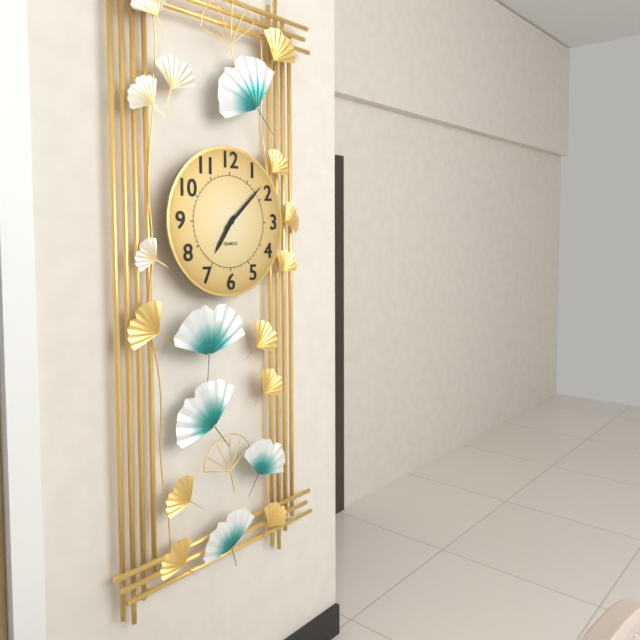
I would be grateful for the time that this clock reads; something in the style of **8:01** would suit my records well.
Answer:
**7:08**
